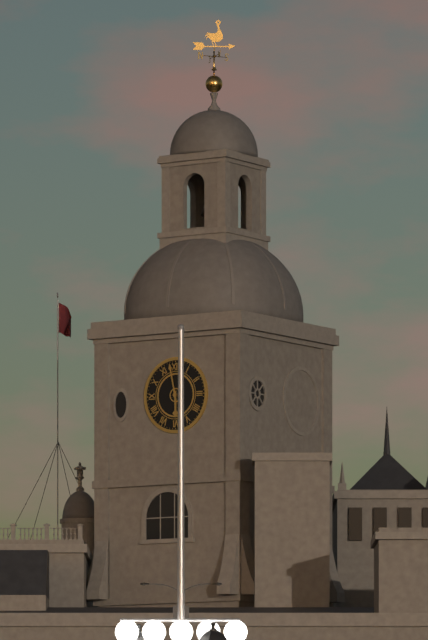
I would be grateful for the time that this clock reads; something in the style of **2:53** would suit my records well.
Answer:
**5:58**
